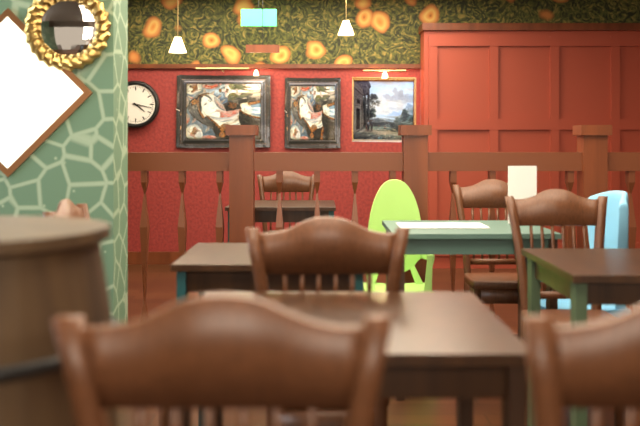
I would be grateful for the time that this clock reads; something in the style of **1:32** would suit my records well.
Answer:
**4:17**
